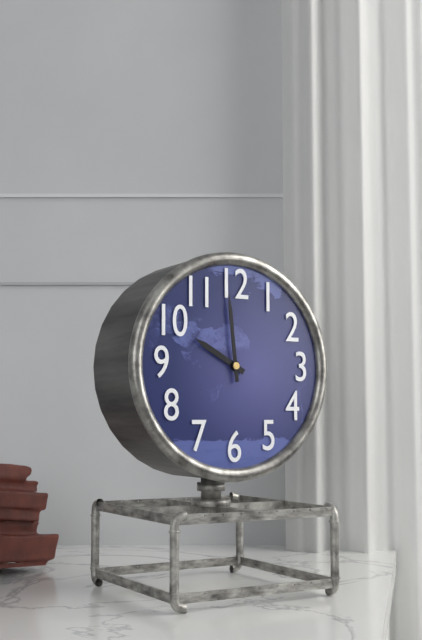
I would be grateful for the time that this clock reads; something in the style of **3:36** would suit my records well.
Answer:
**9:59**
